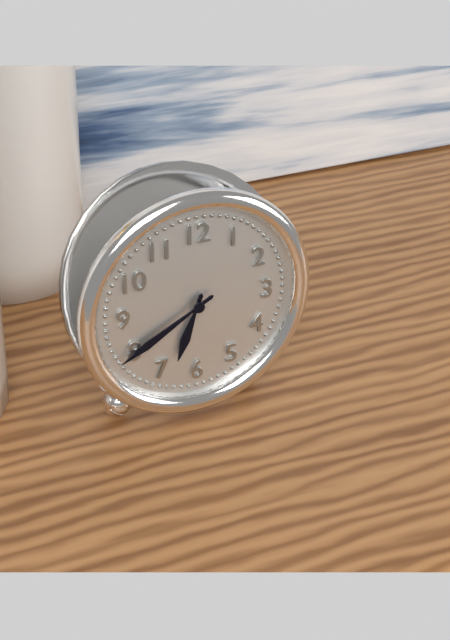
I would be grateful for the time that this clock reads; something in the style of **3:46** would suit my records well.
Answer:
**6:40**
